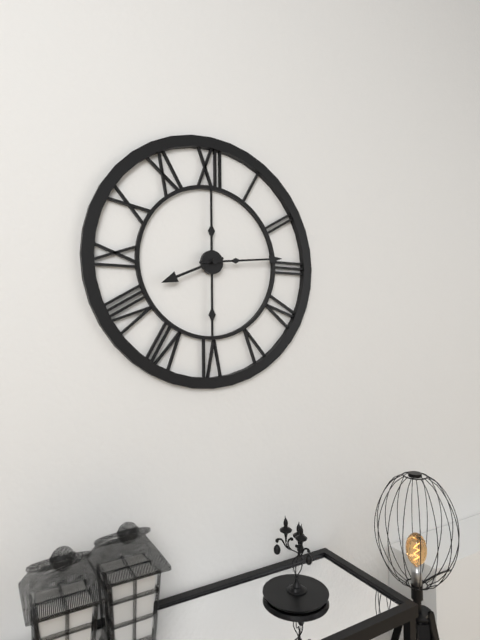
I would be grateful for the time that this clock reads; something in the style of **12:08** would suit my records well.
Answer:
**8:14**
